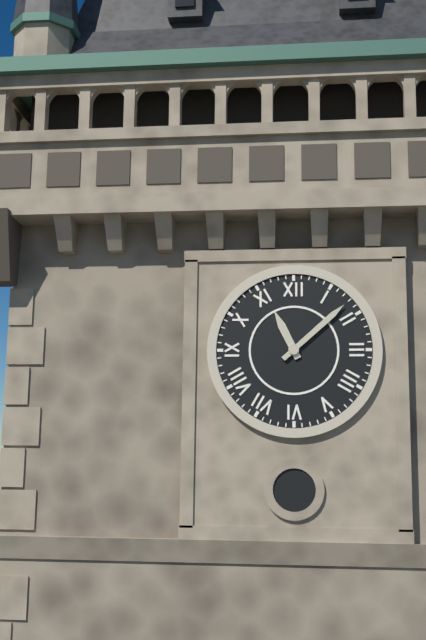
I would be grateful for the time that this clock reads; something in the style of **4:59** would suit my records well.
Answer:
**11:08**
